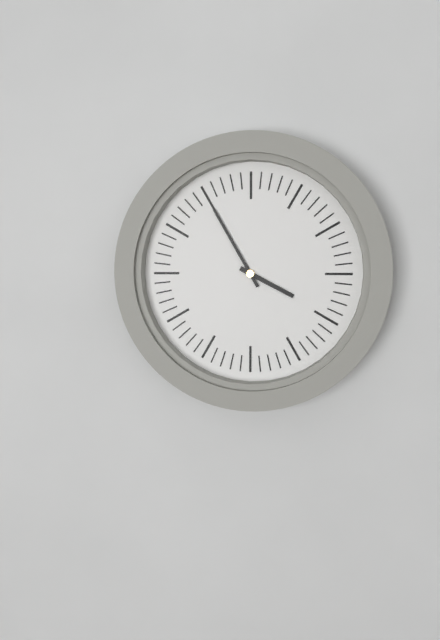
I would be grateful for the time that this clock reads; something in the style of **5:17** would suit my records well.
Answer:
**3:55**
